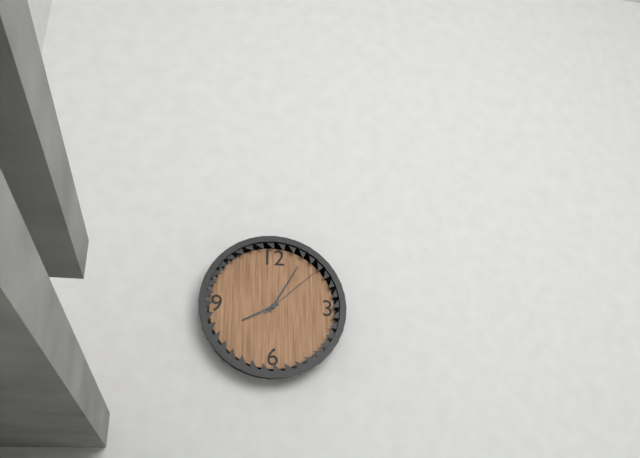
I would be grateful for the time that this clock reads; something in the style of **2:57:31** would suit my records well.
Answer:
**8:05:08**
